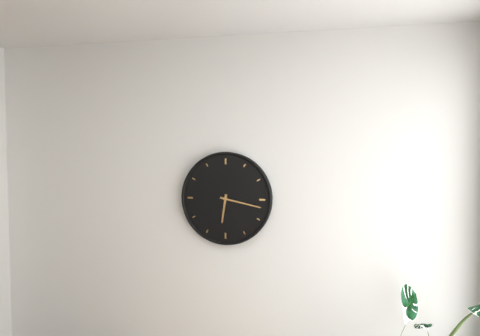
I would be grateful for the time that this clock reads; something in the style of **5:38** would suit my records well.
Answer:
**6:17**
